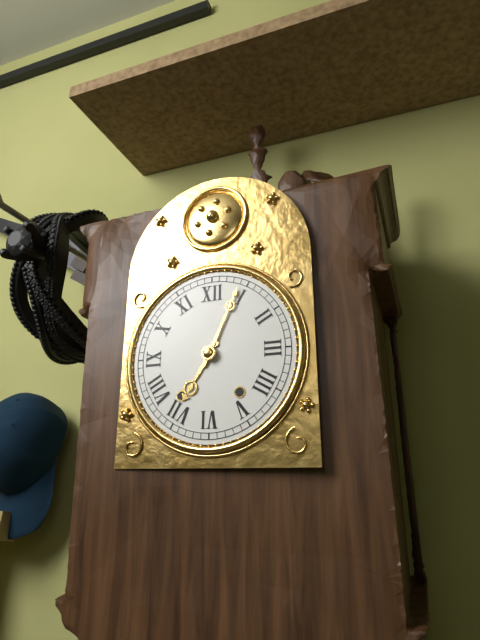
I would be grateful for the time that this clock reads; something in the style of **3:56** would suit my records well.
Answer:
**7:04**
